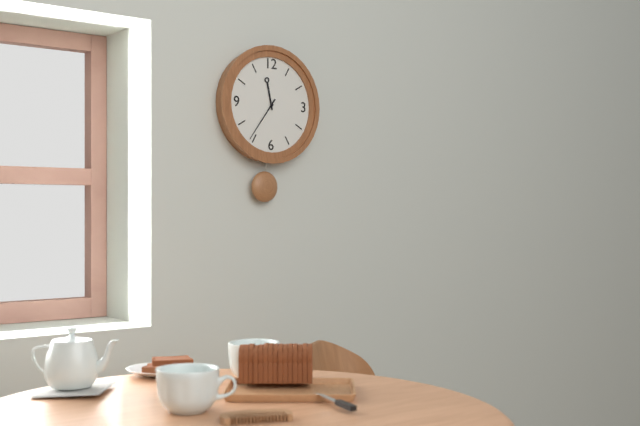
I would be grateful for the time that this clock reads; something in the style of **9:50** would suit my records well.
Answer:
**11:36**
